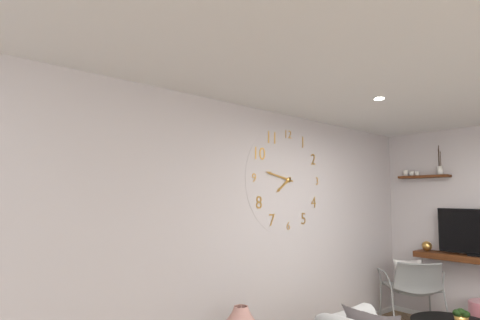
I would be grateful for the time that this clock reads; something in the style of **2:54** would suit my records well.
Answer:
**7:47**
